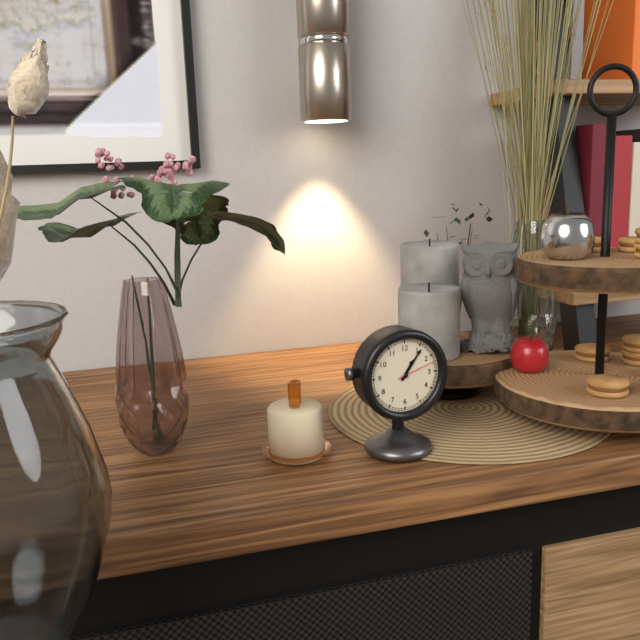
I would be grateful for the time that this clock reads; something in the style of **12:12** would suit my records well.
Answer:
**1:06**
